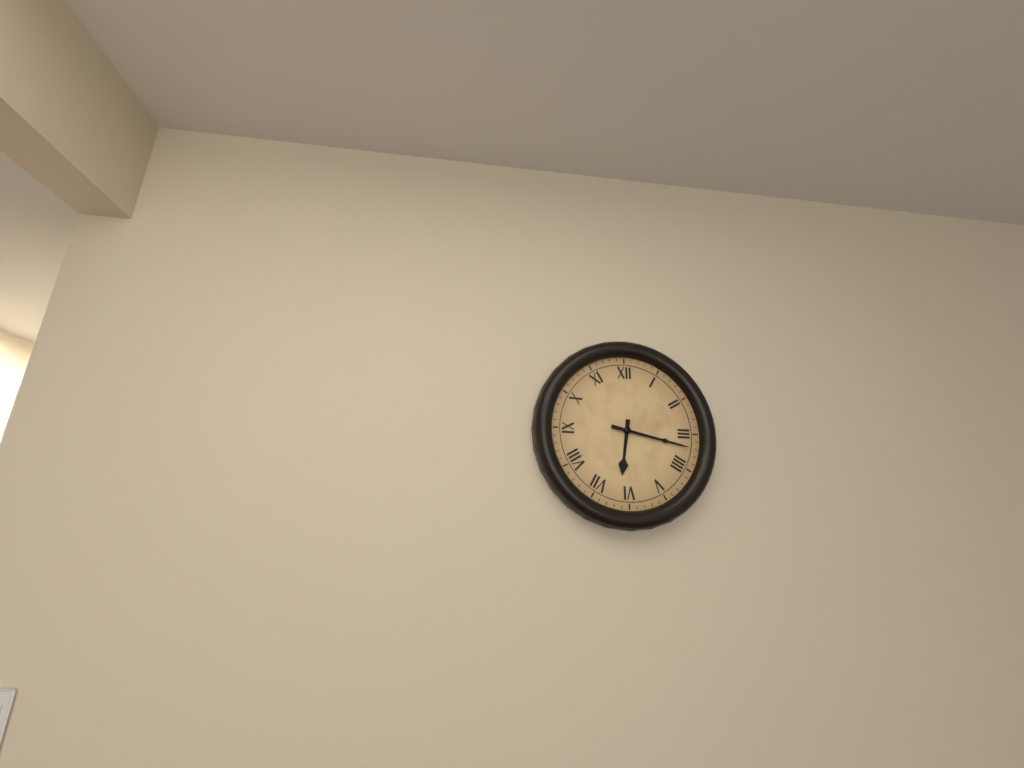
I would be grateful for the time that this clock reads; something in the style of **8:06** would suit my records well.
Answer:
**6:17**
